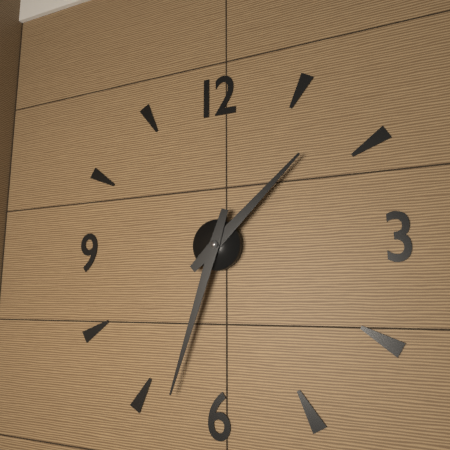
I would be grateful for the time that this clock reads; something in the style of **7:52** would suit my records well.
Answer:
**1:33**
